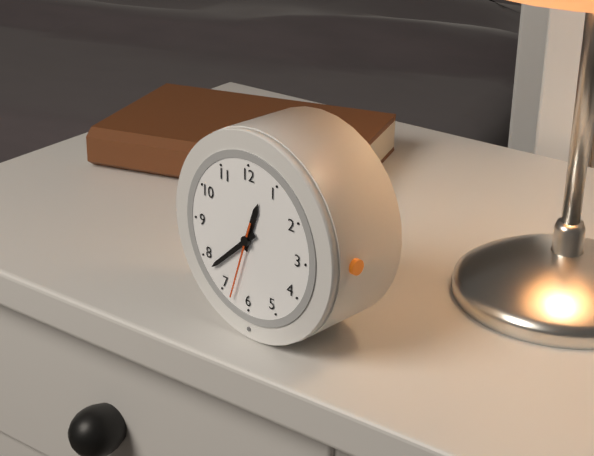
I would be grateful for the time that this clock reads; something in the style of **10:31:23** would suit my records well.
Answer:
**12:38:33**
